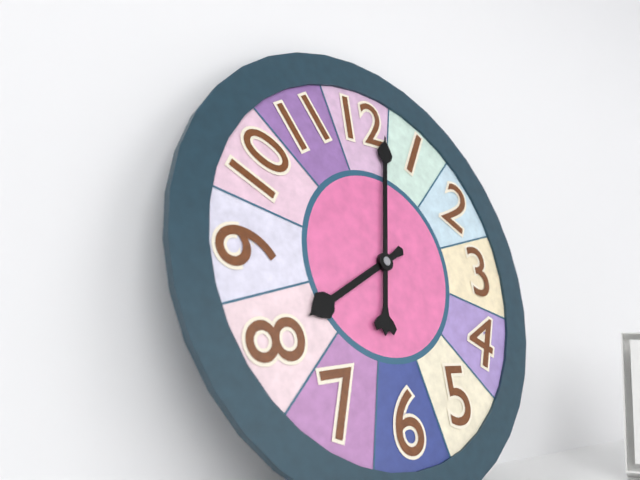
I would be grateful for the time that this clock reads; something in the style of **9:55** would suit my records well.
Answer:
**8:02**
